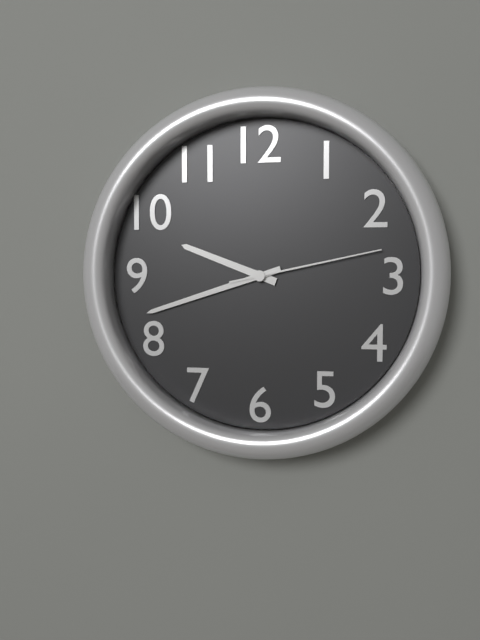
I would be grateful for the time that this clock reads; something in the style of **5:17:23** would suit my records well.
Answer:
**9:42:13**
